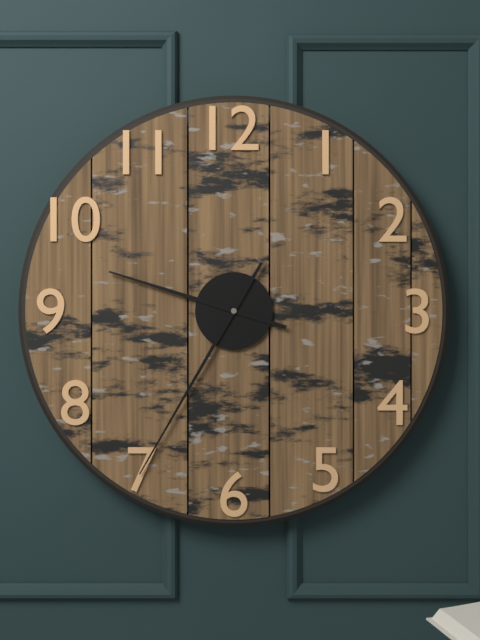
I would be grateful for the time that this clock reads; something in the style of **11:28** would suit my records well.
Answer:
**9:35**
